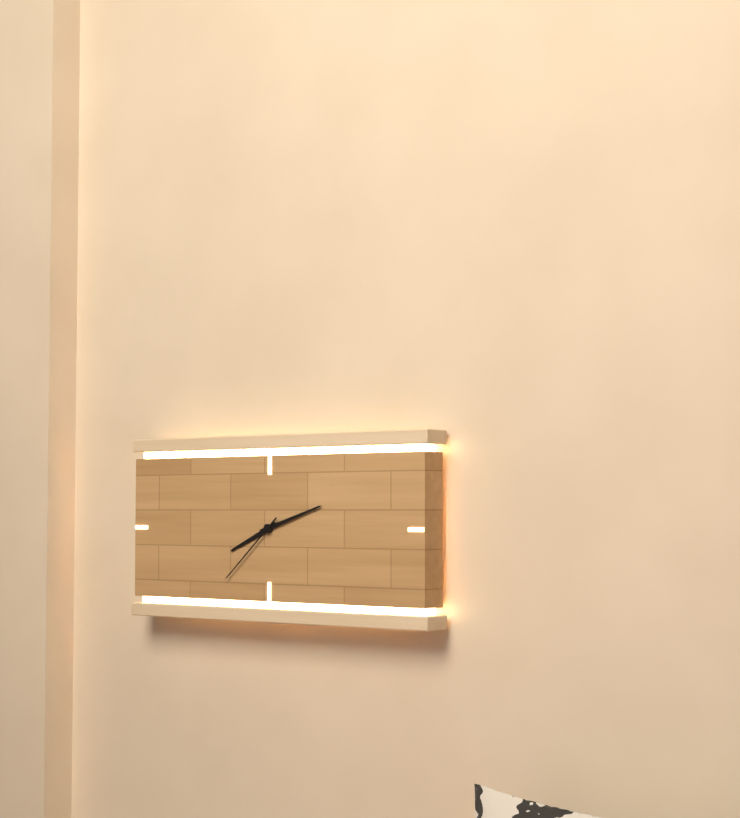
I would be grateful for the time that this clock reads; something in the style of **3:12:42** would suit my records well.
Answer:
**8:12:38**
